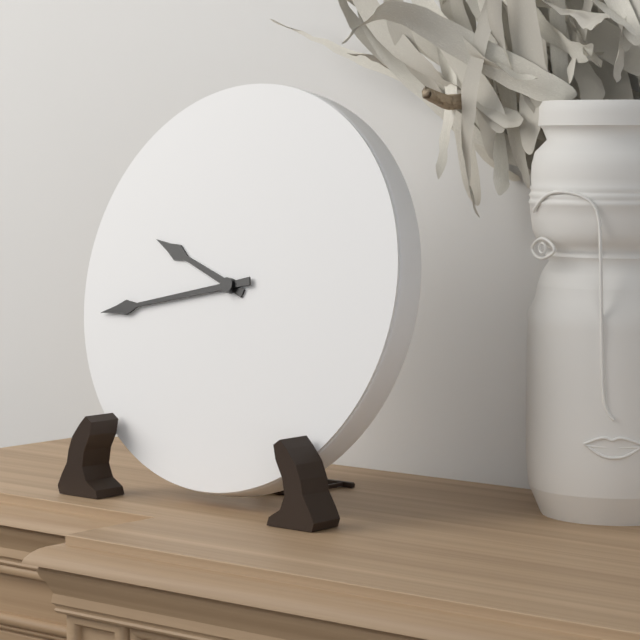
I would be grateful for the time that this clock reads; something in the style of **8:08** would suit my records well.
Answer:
**9:43**
